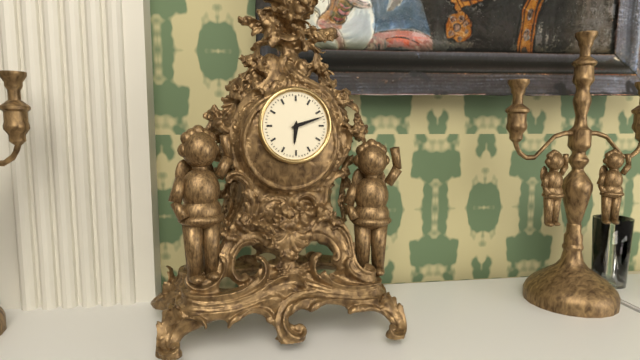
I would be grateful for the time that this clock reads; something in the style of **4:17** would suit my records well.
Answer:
**6:12**
